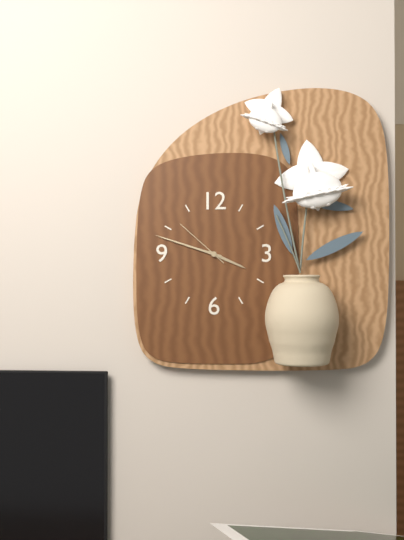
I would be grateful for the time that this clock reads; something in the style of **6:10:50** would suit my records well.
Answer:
**3:48:52**
